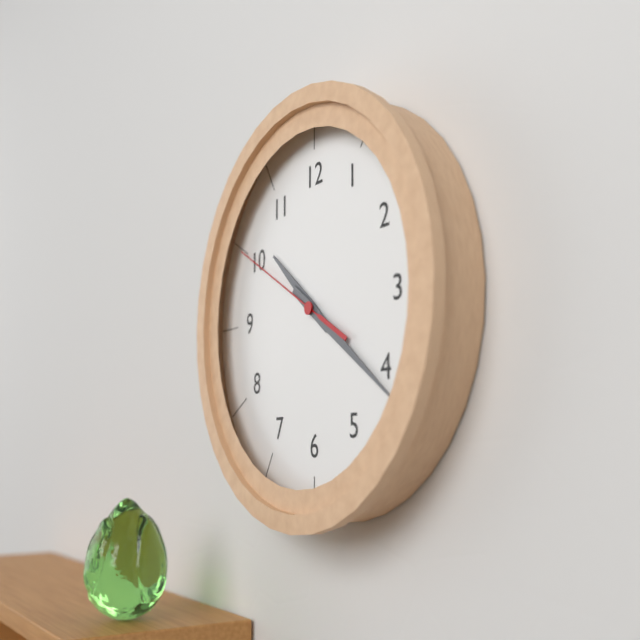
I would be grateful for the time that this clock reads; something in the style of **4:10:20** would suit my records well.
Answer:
**10:21:50**
